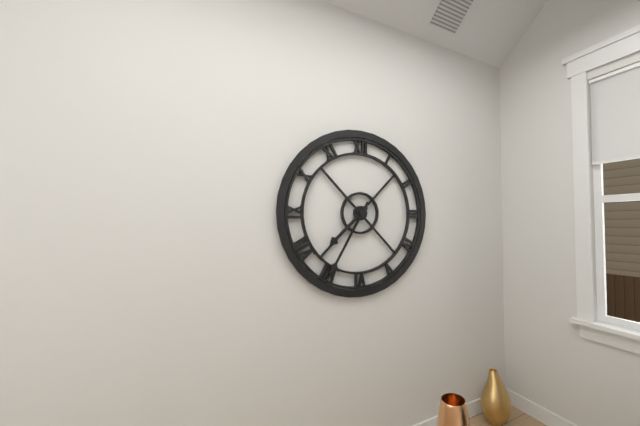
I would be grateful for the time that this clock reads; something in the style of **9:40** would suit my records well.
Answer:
**7:35**
